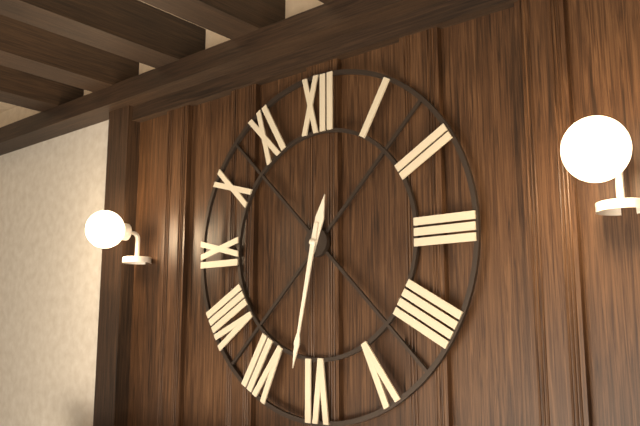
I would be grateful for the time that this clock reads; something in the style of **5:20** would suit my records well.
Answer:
**12:32**
